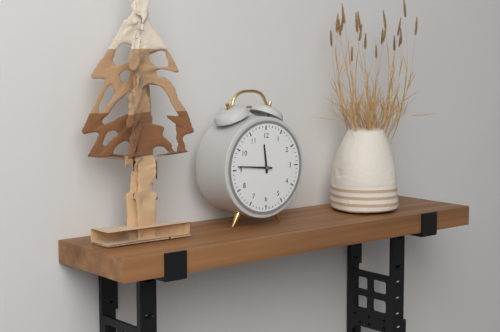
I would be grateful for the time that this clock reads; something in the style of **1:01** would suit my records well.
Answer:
**11:46**
